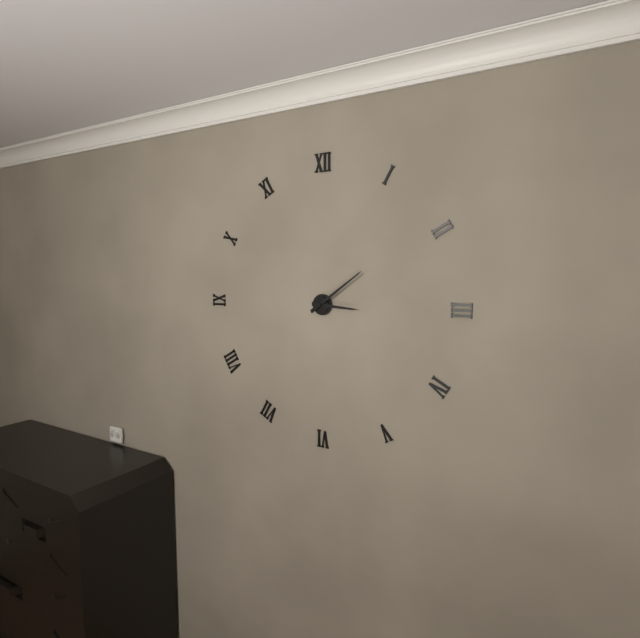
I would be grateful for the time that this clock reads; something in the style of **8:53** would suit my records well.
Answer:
**3:09**
